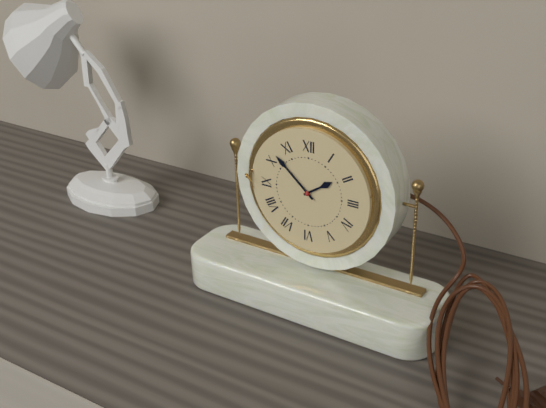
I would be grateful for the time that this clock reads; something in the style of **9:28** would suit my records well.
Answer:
**1:52**
